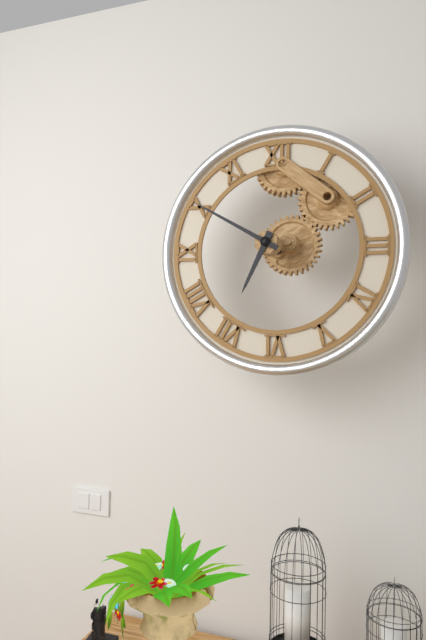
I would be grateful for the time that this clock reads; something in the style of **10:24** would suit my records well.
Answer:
**6:50**
